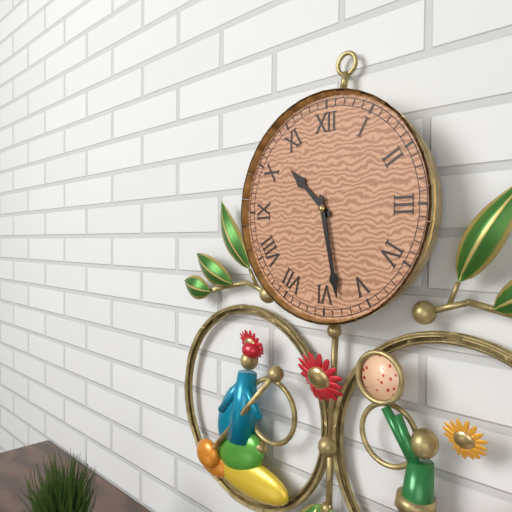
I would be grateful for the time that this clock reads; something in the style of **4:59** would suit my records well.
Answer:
**10:28**
